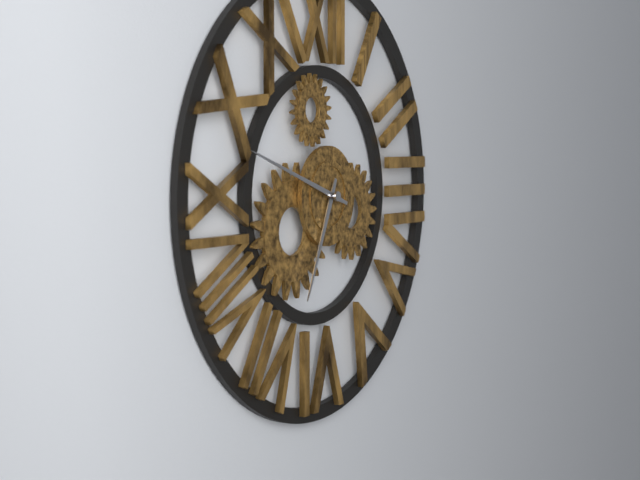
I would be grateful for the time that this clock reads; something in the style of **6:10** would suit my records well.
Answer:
**6:48**
